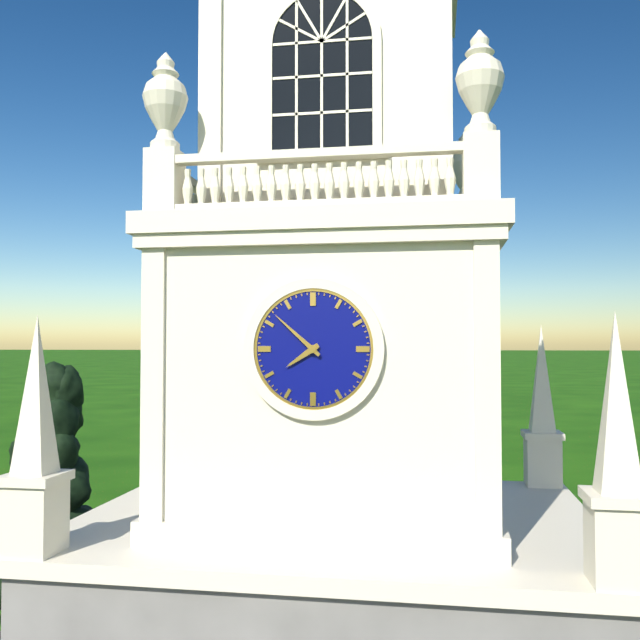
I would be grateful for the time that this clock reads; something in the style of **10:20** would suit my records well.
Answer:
**7:52**
